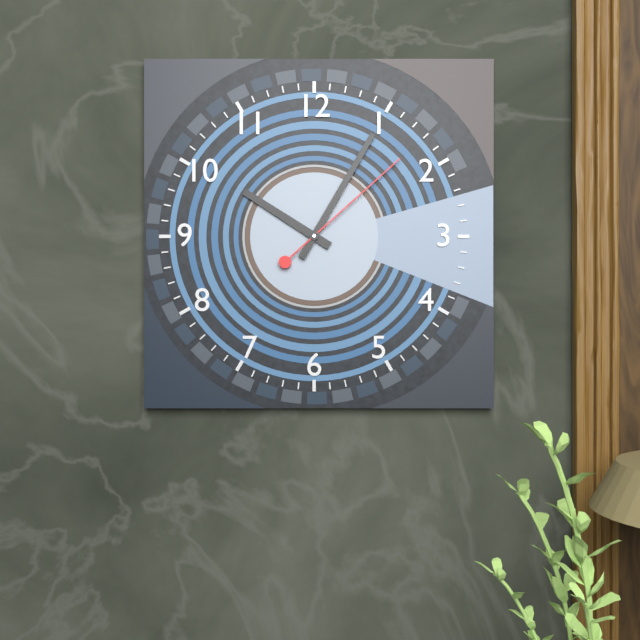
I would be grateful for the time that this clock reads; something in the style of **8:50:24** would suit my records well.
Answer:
**10:05:08**
